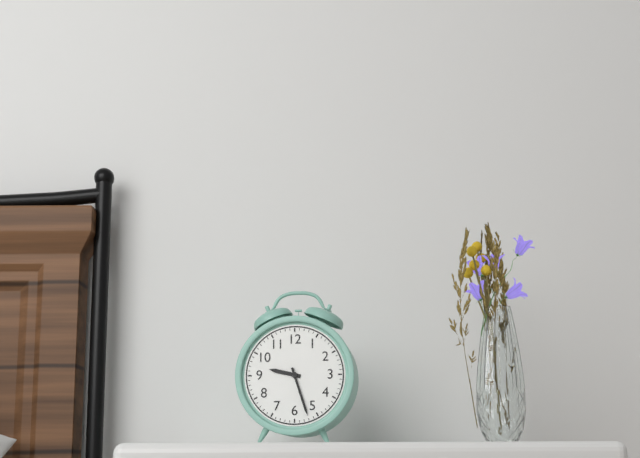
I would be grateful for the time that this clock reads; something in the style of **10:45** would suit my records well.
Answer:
**9:27**
